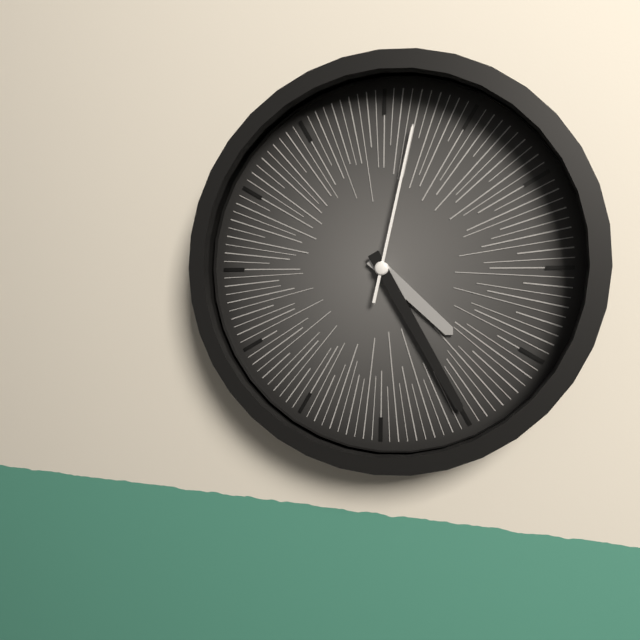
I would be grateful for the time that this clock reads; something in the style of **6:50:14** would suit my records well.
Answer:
**4:25:02**
